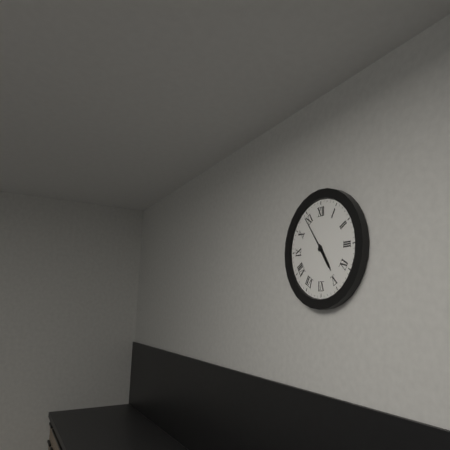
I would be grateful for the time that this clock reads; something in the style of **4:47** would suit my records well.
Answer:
**4:54**
